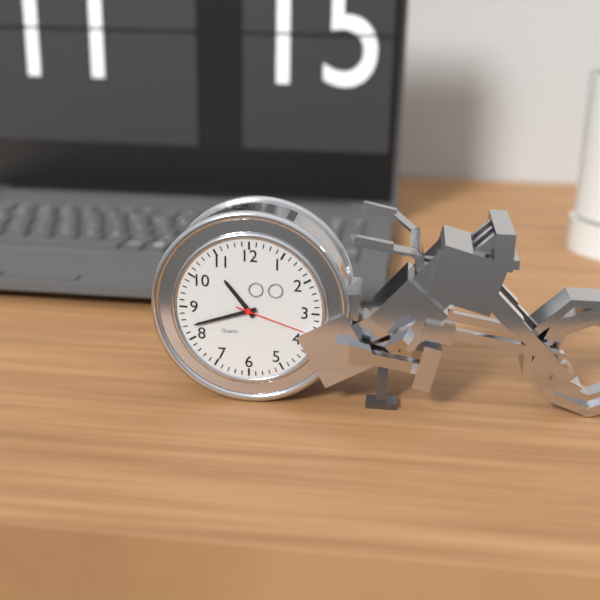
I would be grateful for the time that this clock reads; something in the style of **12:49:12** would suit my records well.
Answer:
**10:42:18**
